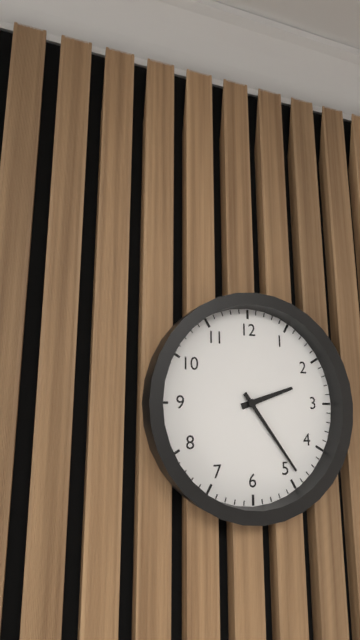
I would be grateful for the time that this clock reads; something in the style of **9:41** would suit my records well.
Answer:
**2:24**
